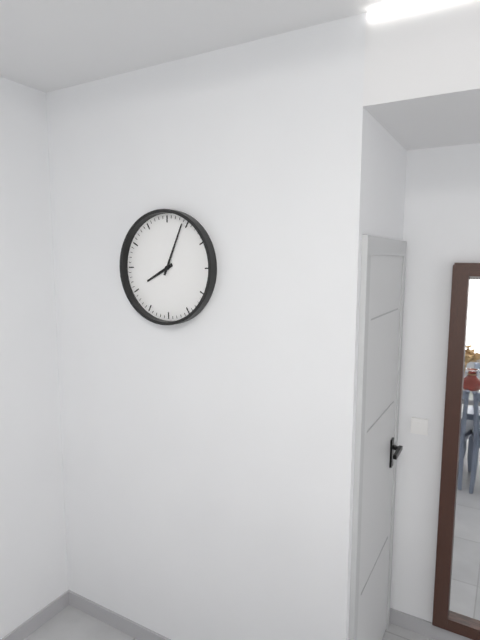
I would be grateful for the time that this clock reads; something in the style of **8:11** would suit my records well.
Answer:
**8:04**
